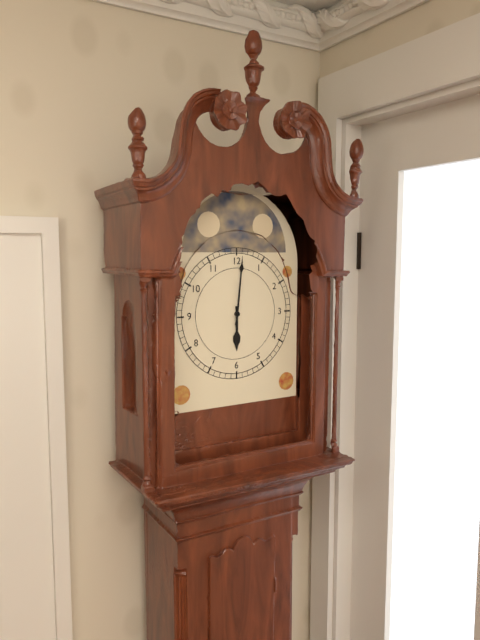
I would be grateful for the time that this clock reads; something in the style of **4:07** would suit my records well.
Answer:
**6:01**
